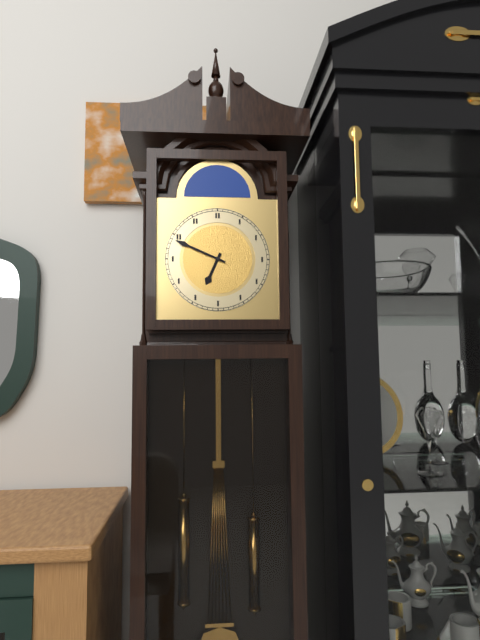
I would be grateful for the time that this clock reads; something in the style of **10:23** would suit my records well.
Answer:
**6:49**
